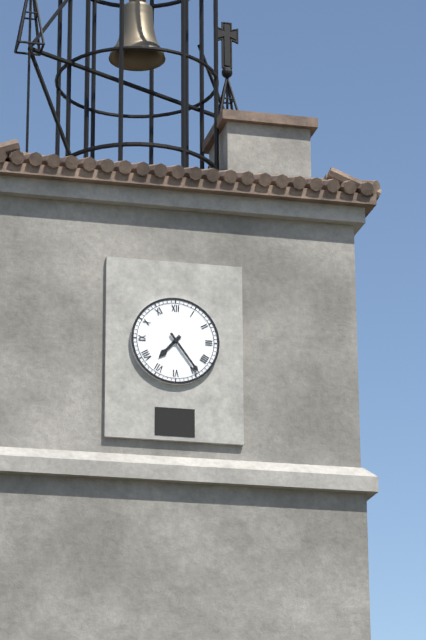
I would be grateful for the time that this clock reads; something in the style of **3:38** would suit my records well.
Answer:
**7:24**
